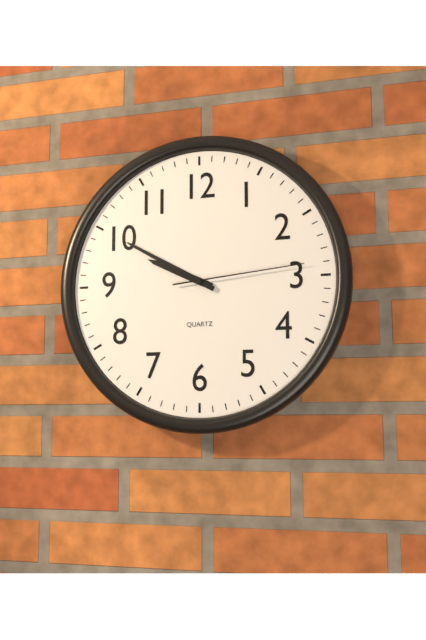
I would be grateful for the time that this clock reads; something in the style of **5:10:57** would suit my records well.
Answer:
**9:50:14**
